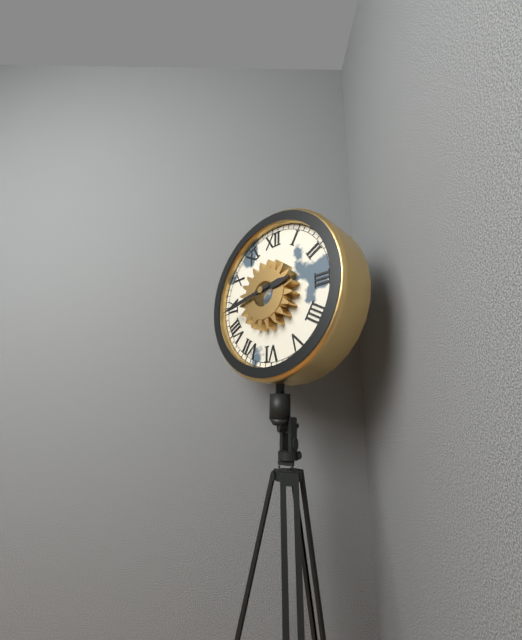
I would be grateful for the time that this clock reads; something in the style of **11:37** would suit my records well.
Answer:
**2:43**
